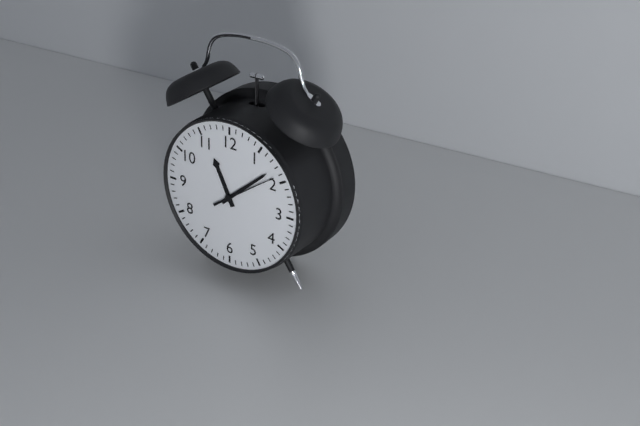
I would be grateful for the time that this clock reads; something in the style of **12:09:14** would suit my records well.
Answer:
**11:08:09**
